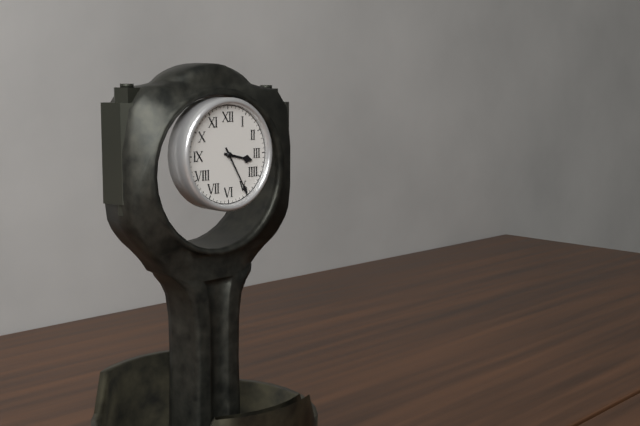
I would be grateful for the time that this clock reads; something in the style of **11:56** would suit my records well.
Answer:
**3:25**
